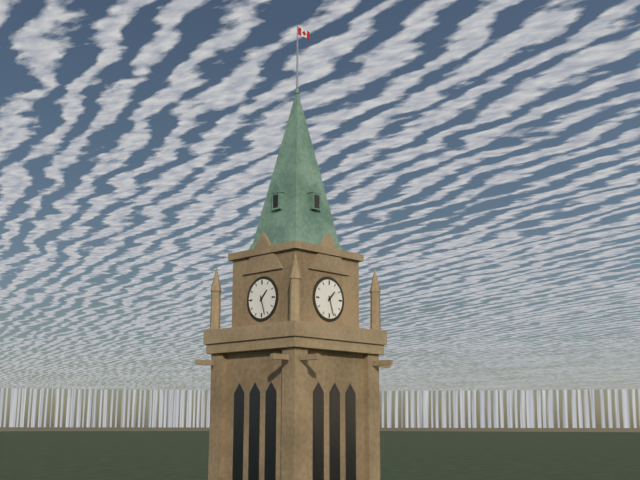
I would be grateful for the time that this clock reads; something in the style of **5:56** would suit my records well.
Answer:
**1:27**
